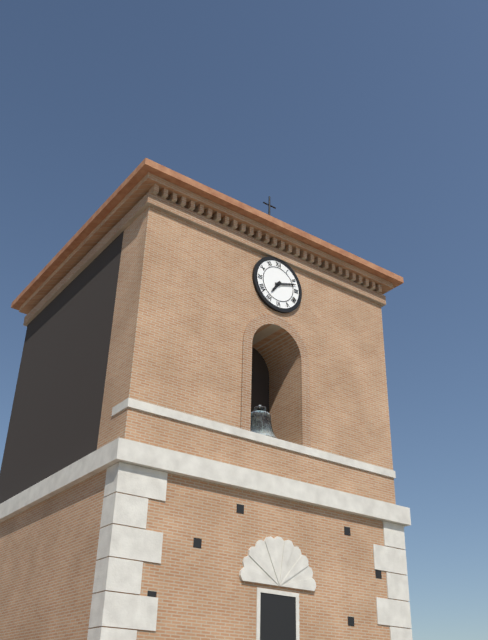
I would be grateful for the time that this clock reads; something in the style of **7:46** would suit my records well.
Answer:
**7:12**
